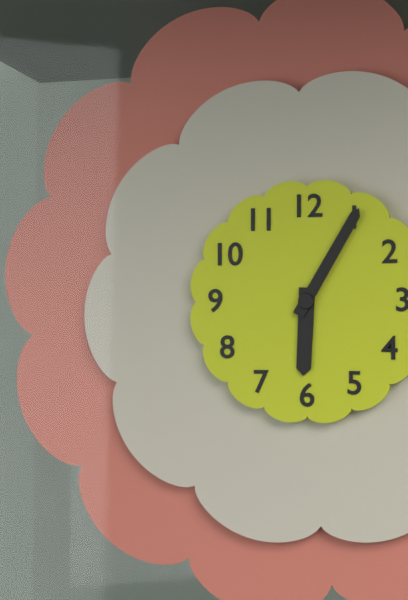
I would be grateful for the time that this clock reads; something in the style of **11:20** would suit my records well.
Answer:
**6:05**
